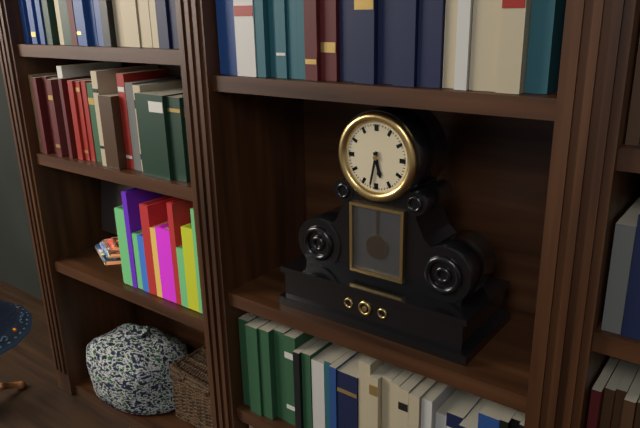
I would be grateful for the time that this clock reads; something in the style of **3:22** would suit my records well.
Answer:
**5:32**
